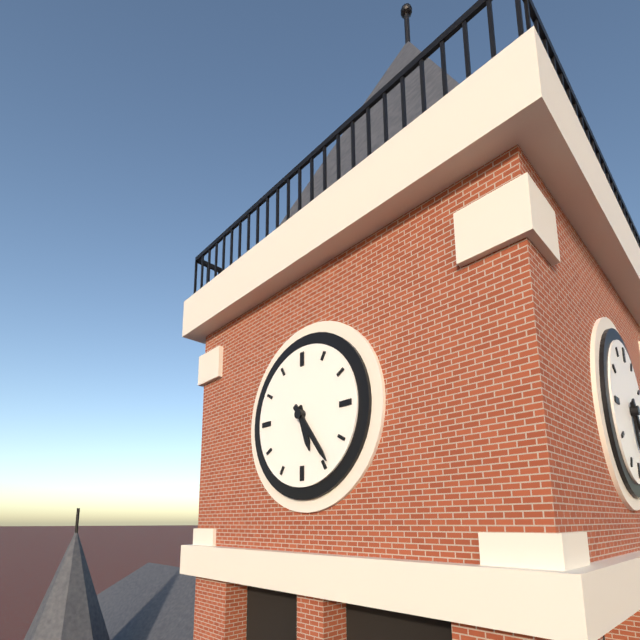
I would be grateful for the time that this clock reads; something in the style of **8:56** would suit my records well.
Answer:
**5:24**
